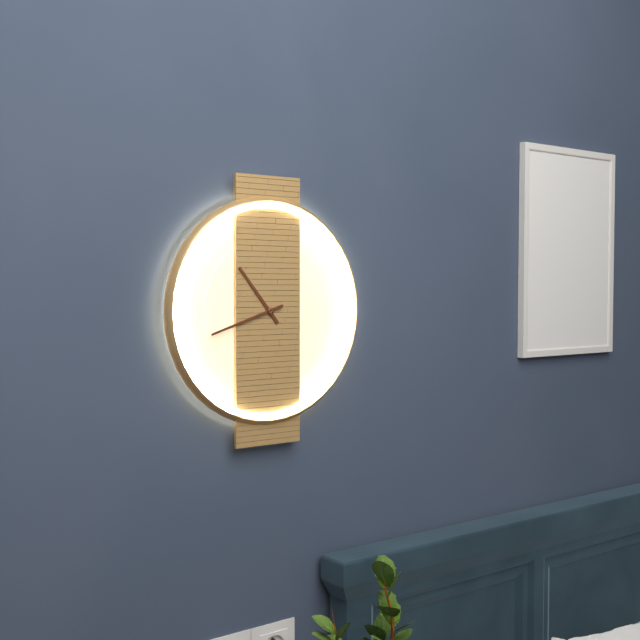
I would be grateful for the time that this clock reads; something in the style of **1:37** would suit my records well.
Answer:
**10:42**
